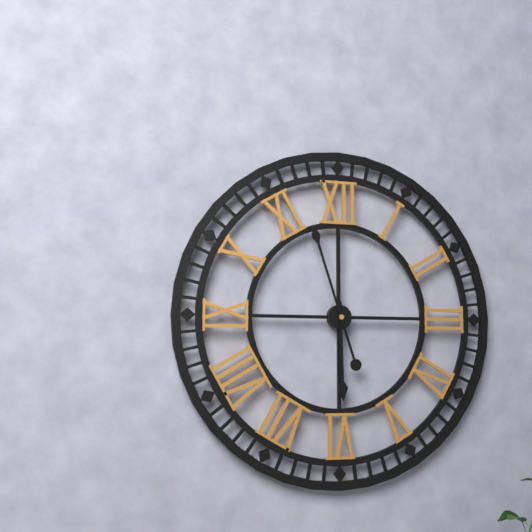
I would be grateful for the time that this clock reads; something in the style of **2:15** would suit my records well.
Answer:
**5:57**
